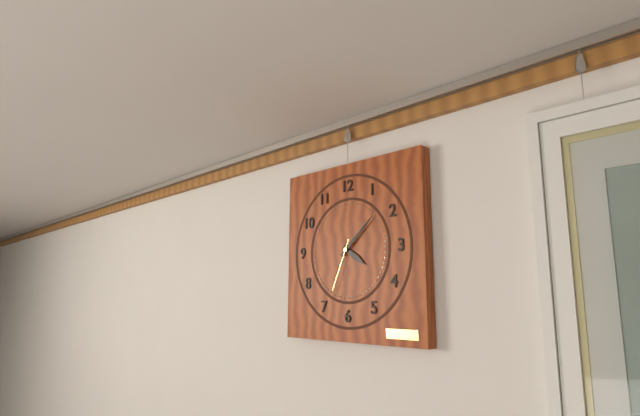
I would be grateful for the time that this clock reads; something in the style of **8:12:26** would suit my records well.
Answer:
**4:08:34**
